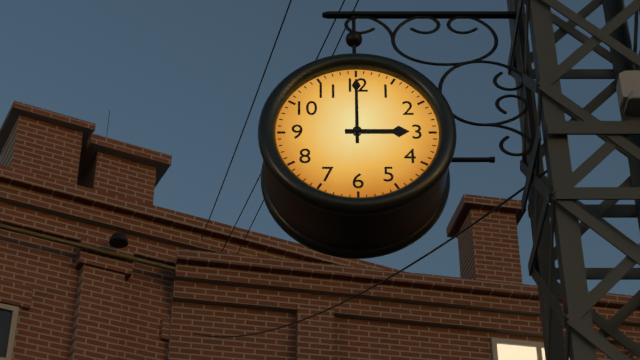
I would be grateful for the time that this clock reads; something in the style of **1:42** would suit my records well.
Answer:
**3:00**
